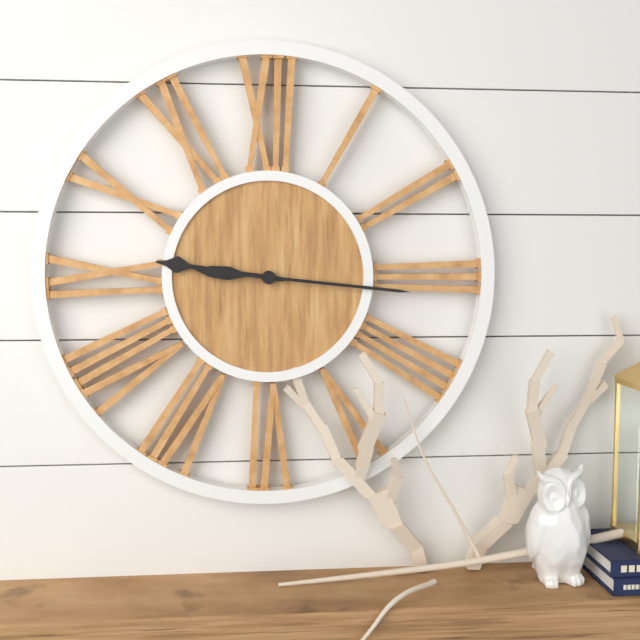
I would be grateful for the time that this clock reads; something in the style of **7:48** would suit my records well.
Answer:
**9:16**
